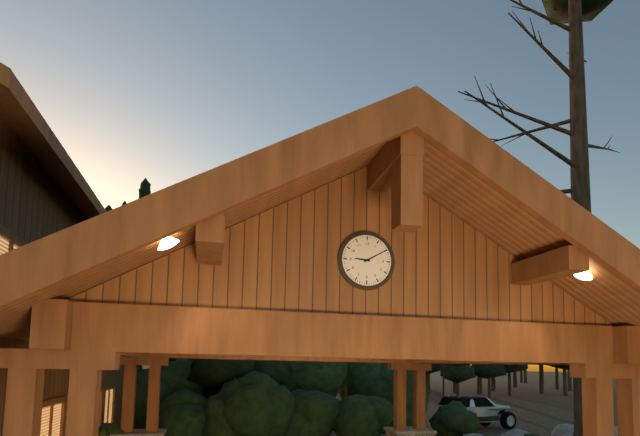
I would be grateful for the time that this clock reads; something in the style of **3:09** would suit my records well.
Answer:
**9:10**
